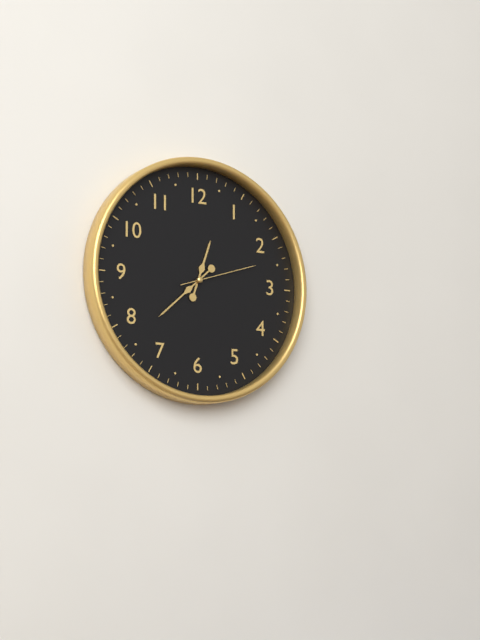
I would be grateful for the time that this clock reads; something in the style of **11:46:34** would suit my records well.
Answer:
**12:38:12**
